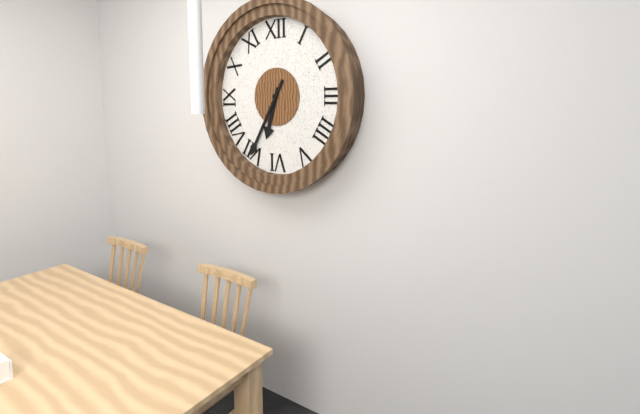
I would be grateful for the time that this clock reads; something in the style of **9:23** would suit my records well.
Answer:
**6:35**
